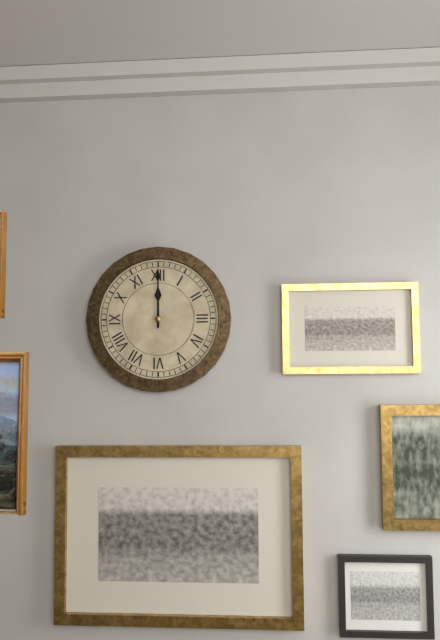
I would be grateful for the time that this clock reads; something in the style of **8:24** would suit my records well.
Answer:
**12:00**
